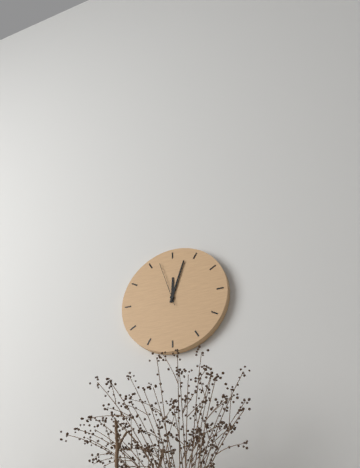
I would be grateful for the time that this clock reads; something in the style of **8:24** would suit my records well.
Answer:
**12:03**
